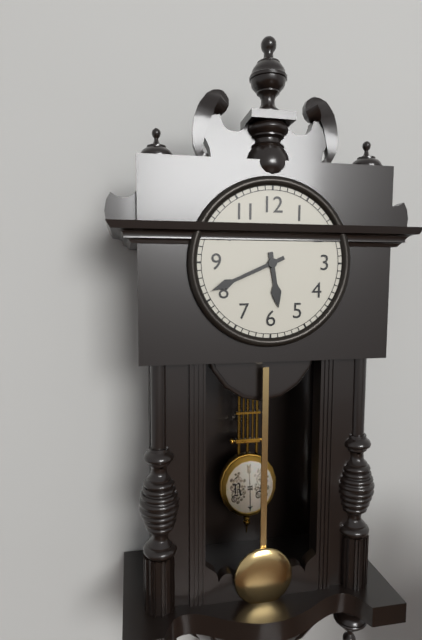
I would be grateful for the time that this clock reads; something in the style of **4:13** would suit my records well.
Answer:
**5:41**
